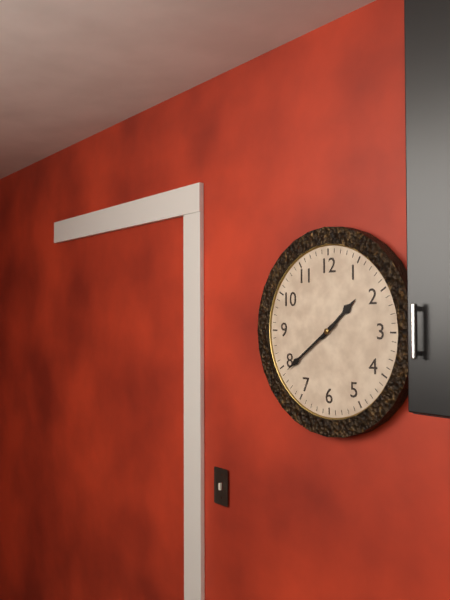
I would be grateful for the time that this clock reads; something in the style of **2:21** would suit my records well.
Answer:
**1:39**
